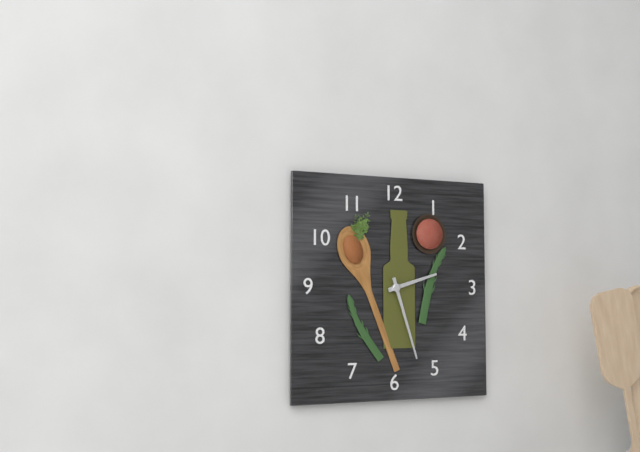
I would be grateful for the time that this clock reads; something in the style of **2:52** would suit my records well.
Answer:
**2:27**
